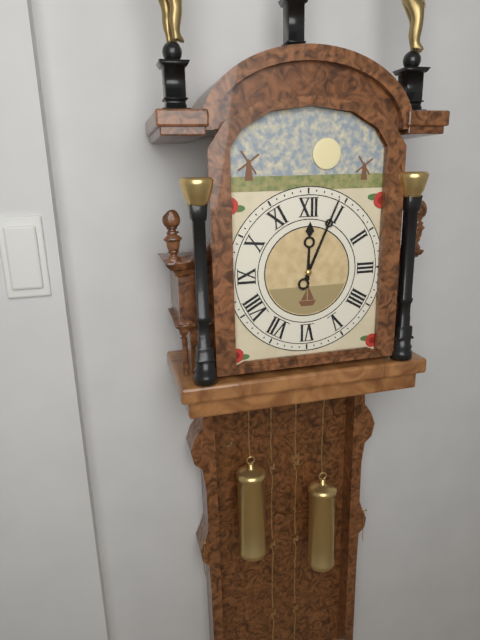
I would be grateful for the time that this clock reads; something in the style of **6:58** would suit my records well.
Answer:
**12:04**
